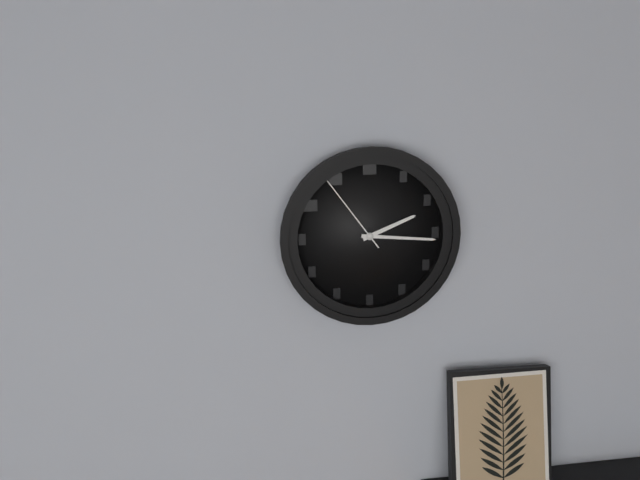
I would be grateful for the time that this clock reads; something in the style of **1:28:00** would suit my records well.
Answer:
**2:16:54**
